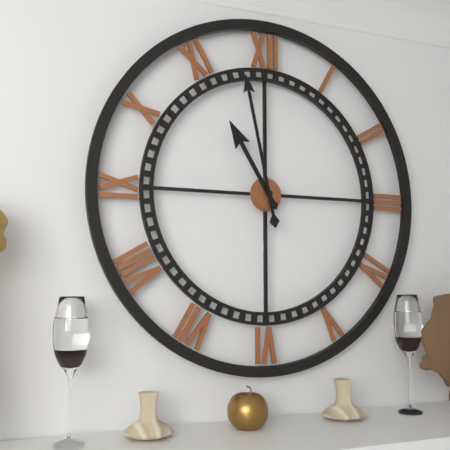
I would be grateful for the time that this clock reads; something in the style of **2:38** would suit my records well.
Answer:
**10:58**
